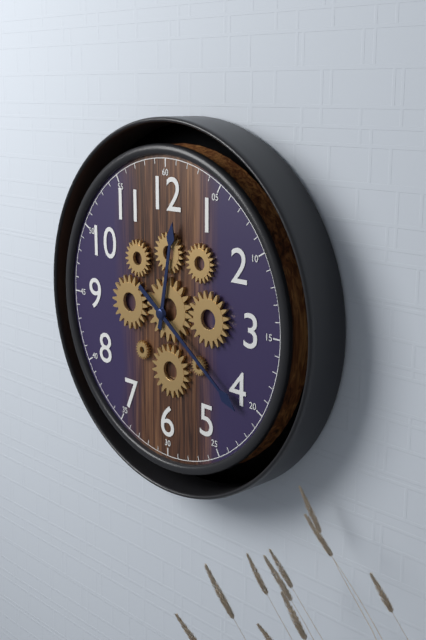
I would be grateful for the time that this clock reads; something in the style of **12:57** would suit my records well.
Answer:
**12:21**
